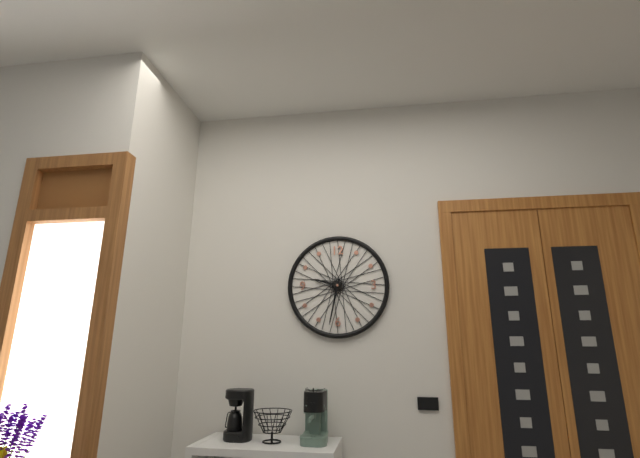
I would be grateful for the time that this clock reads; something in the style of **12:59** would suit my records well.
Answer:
**9:32**
